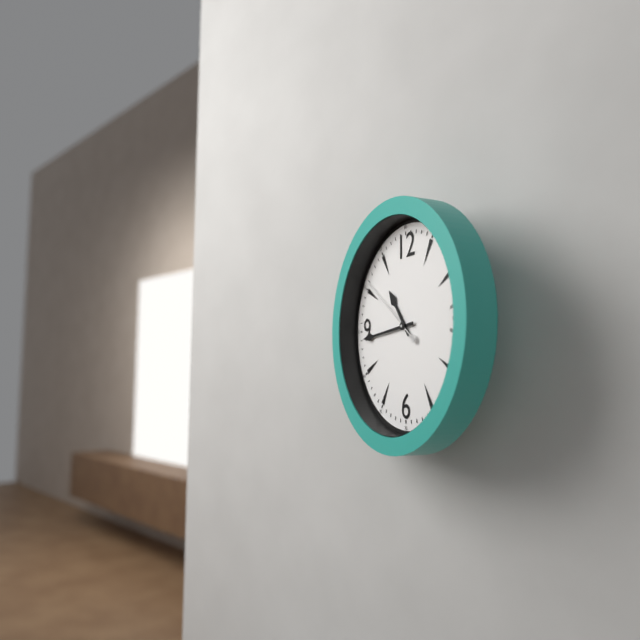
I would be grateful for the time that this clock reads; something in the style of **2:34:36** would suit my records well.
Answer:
**10:44:51**
